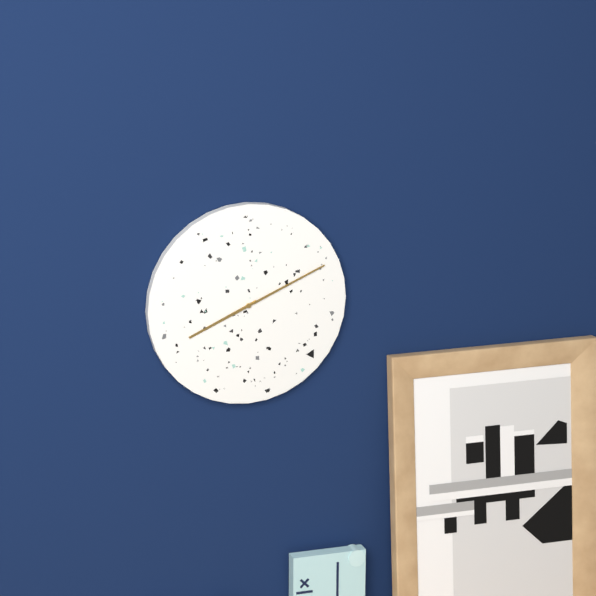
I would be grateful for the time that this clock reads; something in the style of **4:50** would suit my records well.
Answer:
**8:11**
